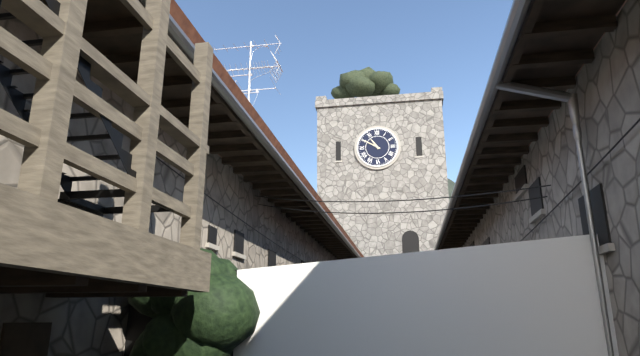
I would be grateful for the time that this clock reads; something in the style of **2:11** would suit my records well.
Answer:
**10:50**
